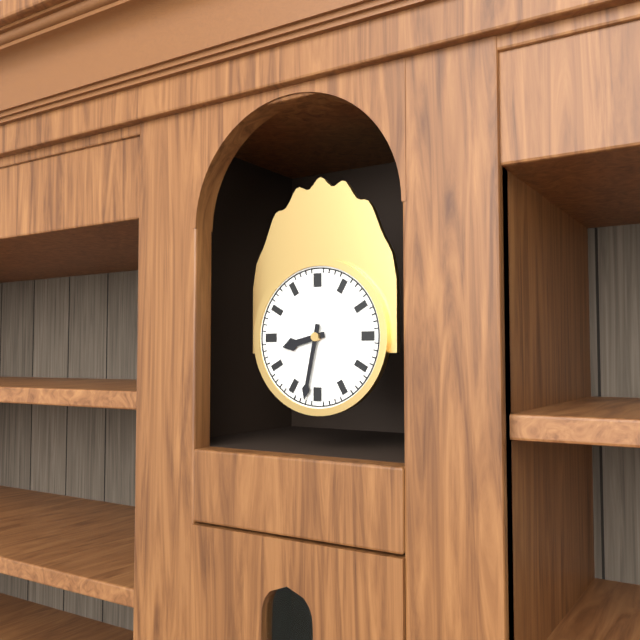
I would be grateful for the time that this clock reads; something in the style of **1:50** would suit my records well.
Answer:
**8:32**
